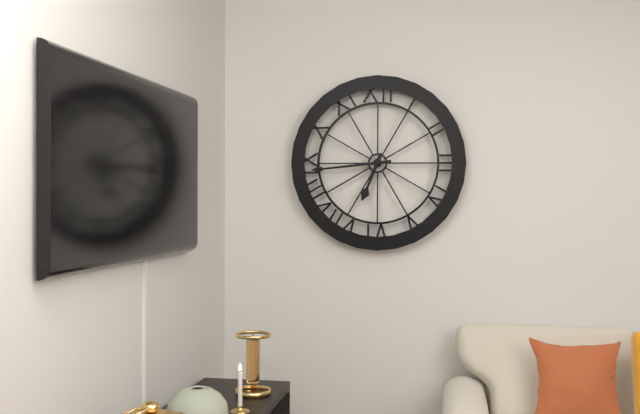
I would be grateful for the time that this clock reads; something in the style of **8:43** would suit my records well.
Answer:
**6:44**
